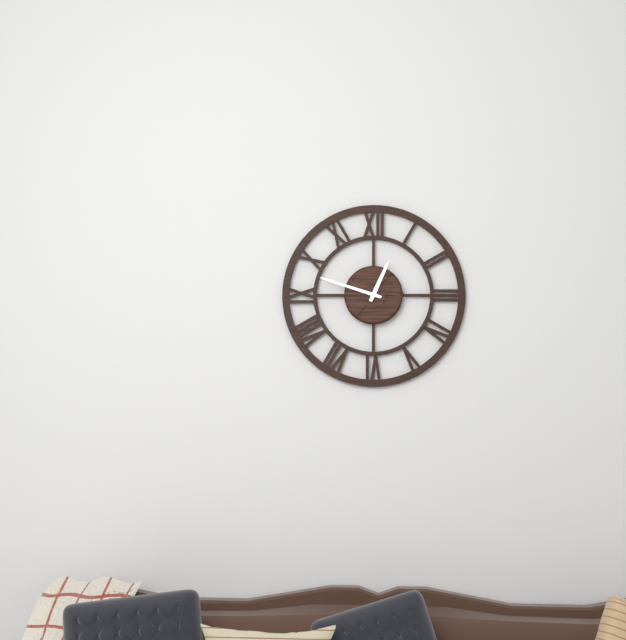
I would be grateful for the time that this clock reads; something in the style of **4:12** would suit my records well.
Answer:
**12:48**
